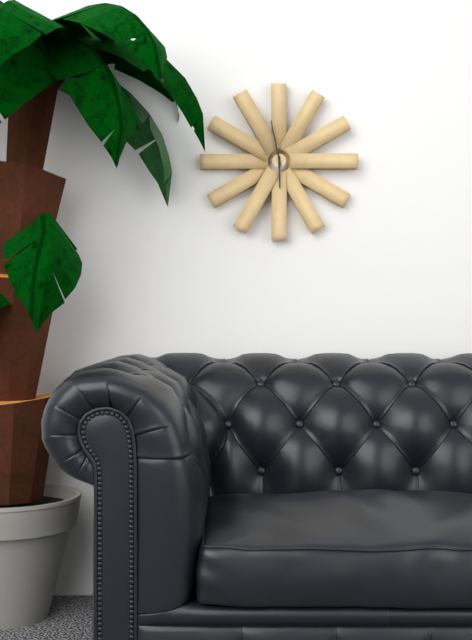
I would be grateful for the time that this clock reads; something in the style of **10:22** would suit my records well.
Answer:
**5:58**
